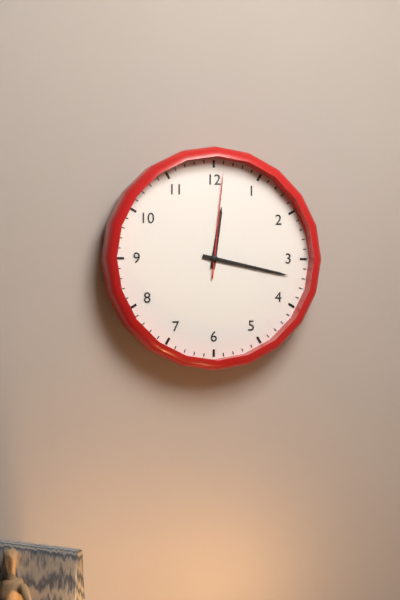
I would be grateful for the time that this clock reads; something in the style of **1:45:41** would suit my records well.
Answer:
**12:17:01**
